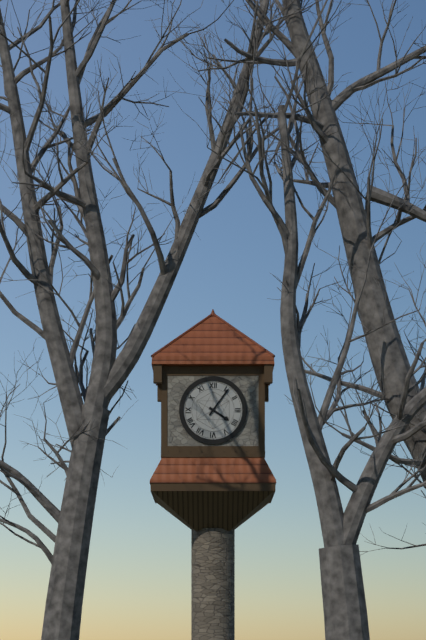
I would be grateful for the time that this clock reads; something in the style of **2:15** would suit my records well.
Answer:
**4:06**
